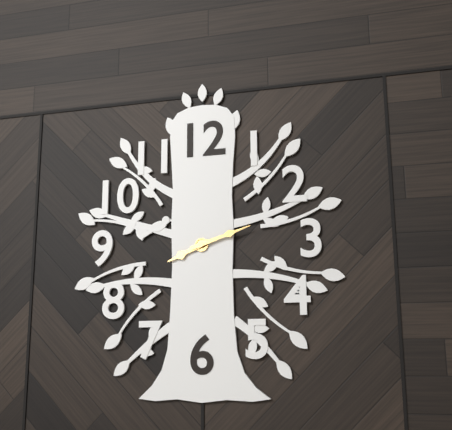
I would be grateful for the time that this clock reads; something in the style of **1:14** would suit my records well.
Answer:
**8:12**
